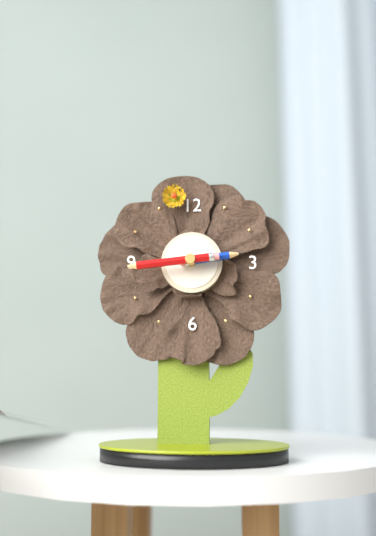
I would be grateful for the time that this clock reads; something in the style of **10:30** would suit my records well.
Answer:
**2:44**
